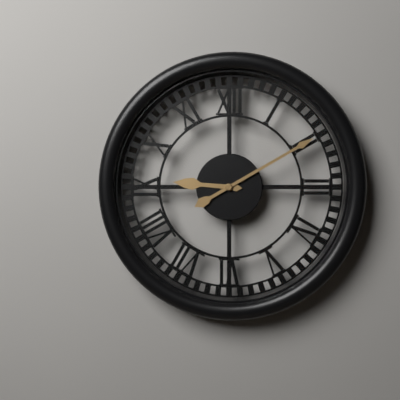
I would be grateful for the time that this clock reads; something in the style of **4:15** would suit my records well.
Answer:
**9:10**
